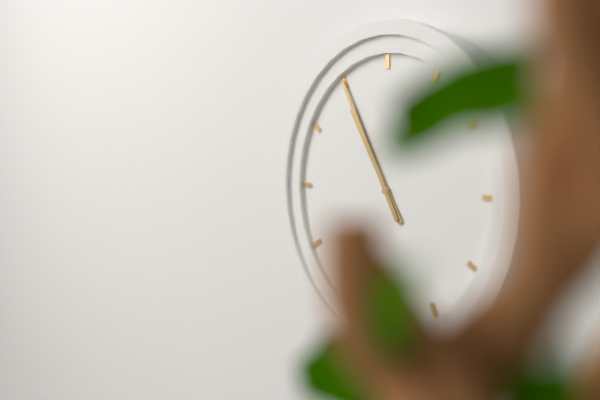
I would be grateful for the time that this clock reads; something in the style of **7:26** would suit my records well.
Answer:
**10:55**
